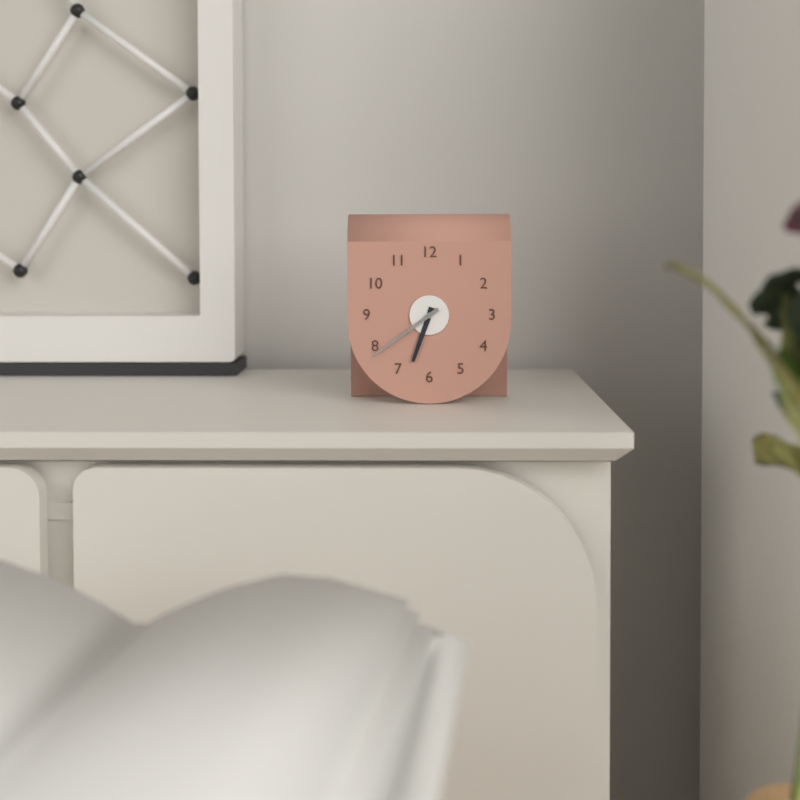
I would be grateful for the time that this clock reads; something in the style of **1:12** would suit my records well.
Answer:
**6:39**
